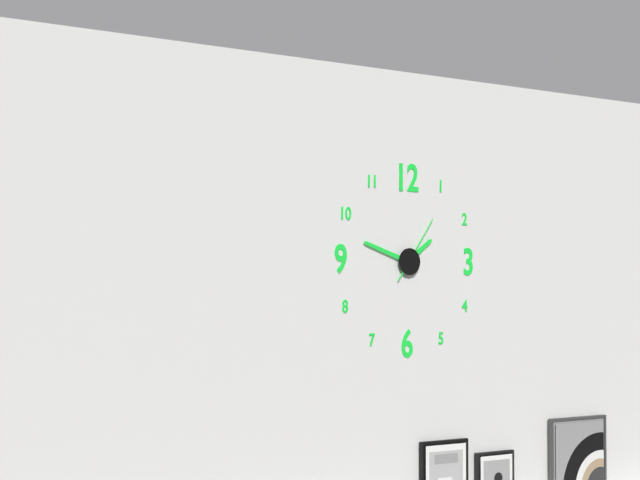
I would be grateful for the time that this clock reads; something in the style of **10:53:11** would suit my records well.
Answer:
**1:48:06**
